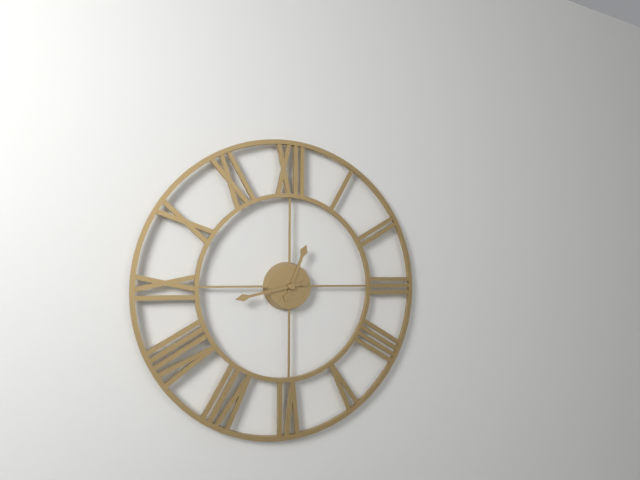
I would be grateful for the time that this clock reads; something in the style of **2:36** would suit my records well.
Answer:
**12:43**
